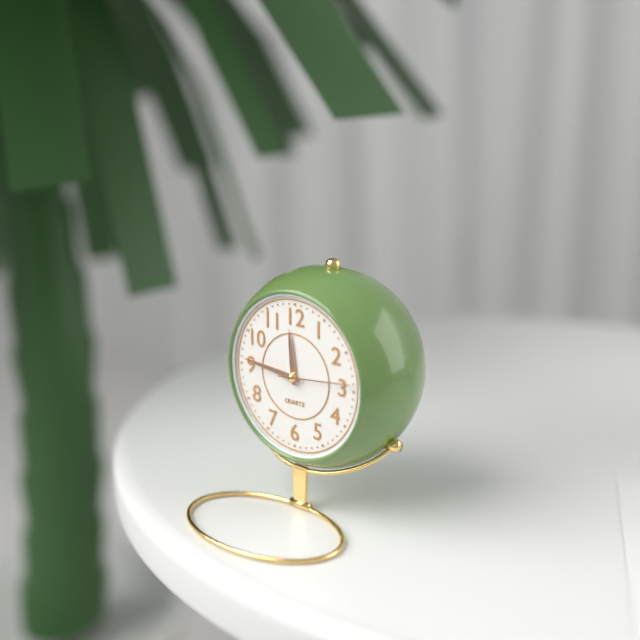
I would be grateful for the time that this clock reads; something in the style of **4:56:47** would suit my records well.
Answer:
**11:46:14**
